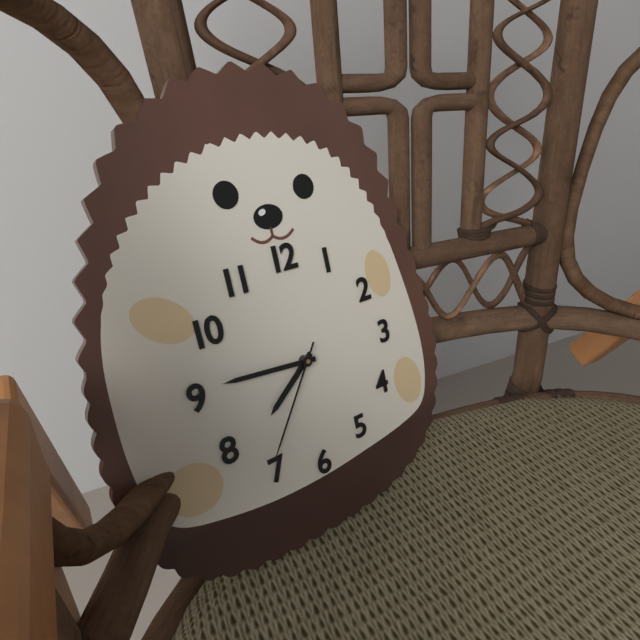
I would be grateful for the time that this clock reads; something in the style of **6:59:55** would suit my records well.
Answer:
**7:46:36**
